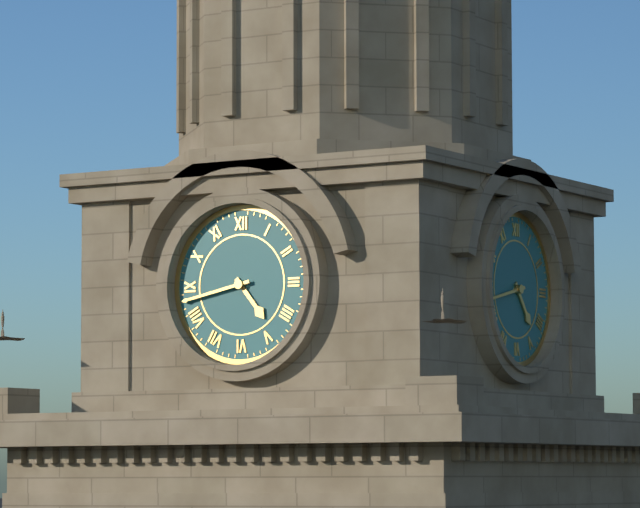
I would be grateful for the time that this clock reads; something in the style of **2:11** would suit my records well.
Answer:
**4:43**
